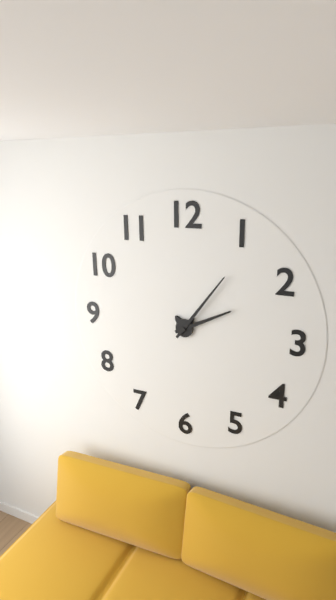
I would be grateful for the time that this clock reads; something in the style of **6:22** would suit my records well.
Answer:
**2:06**
